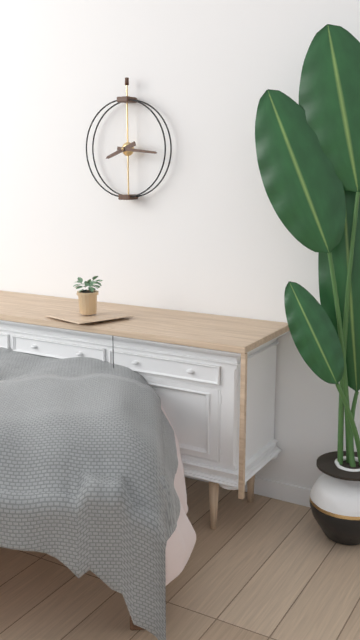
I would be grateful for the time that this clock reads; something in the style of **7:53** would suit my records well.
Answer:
**8:16**
